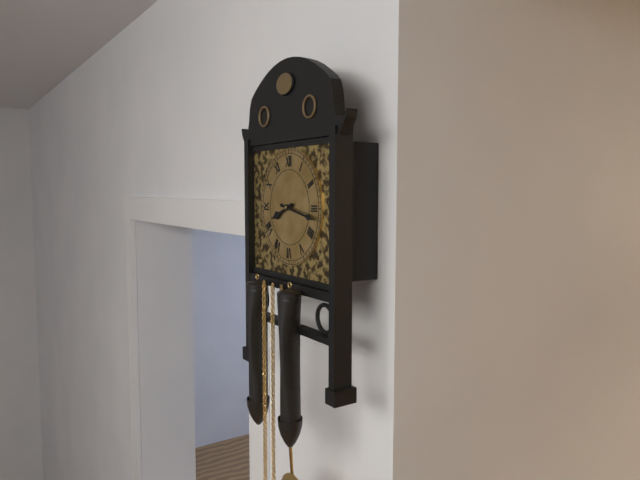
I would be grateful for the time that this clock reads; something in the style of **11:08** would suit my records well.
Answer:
**8:17**
